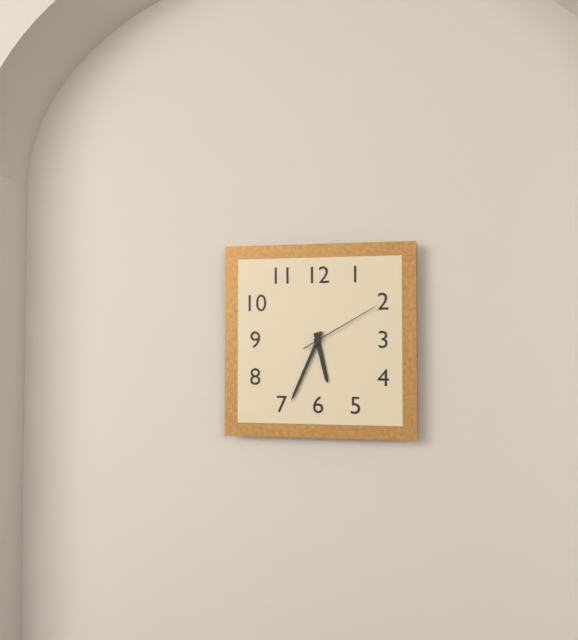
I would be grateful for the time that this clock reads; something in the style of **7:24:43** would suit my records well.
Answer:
**5:34:10**
